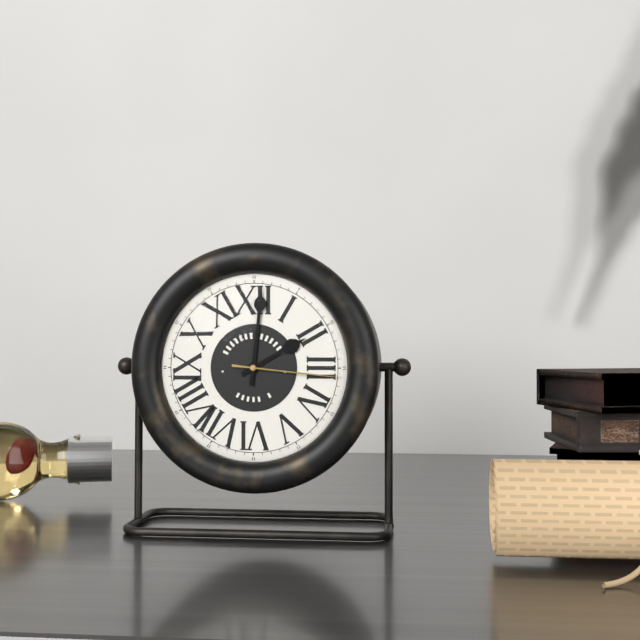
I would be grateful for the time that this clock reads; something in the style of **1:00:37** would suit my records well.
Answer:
**2:01:16**
